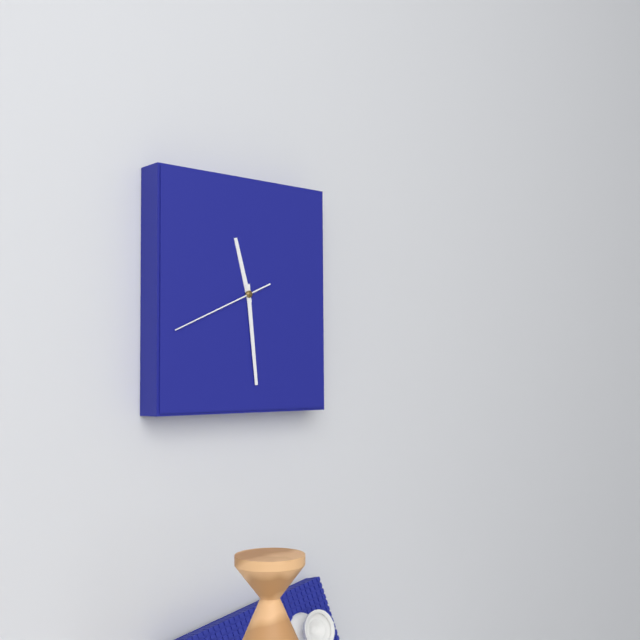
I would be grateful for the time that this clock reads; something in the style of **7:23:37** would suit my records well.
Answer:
**11:29:41**
